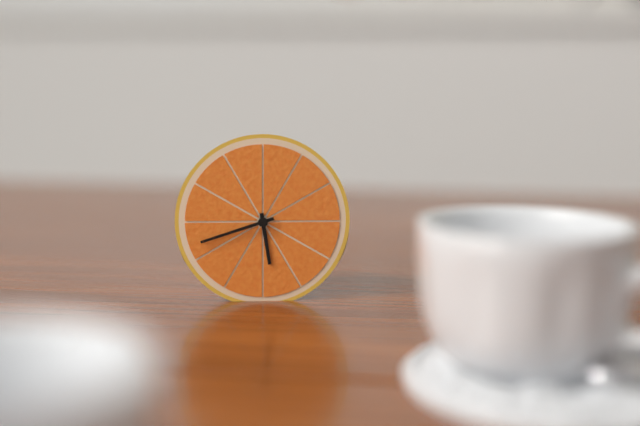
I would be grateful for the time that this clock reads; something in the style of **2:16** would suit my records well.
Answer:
**5:42**
